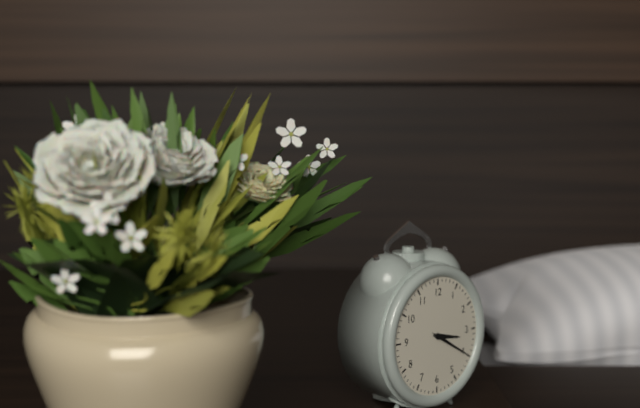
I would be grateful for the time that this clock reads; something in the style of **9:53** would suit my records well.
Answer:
**3:20**
